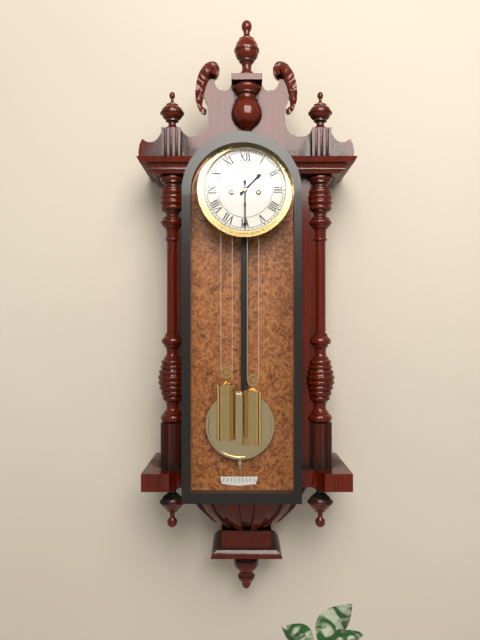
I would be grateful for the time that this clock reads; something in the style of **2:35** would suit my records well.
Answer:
**1:30**
